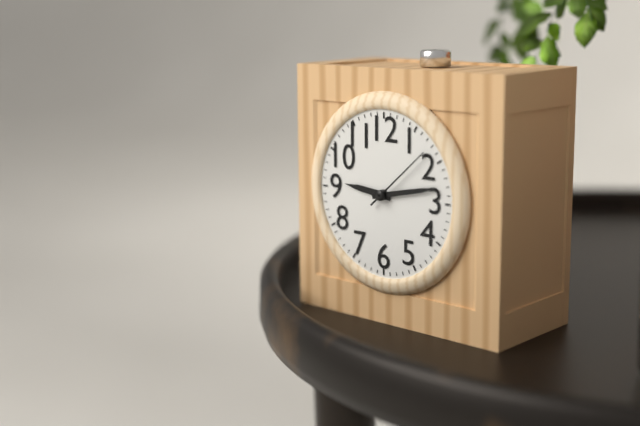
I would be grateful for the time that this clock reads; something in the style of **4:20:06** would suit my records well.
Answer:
**9:13:08**
